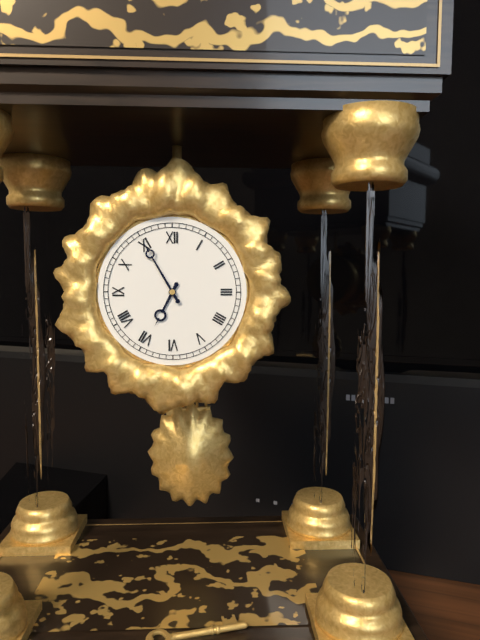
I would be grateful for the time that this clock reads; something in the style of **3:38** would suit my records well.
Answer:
**6:55**
